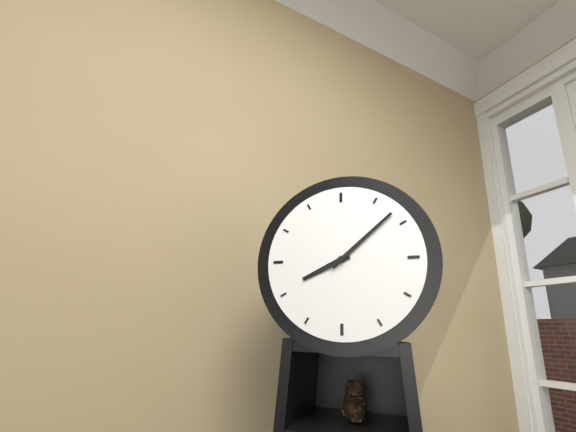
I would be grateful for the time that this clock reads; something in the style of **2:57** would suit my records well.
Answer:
**8:08**
